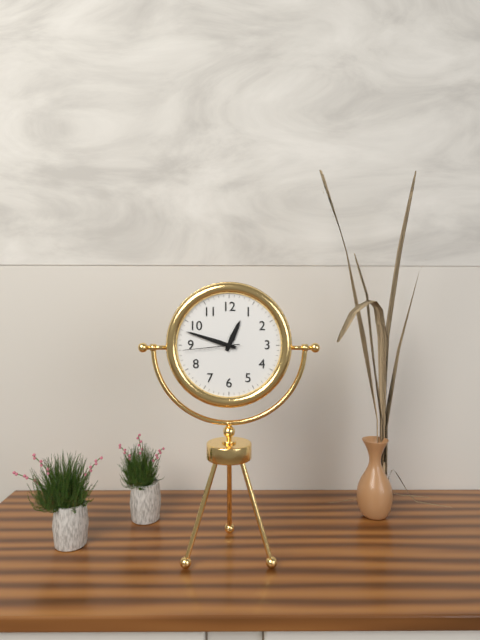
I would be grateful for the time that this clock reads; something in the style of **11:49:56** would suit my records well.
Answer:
**12:48:44**
